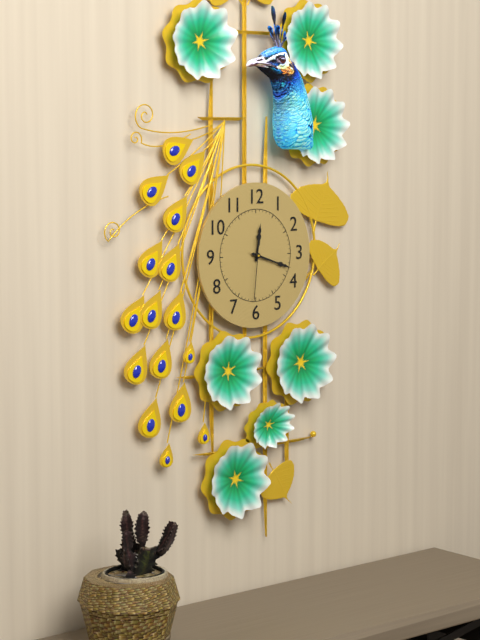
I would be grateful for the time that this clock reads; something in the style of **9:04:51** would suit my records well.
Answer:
**12:18:31**
